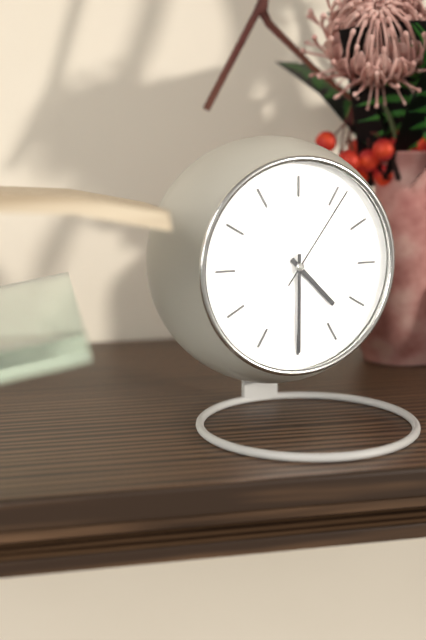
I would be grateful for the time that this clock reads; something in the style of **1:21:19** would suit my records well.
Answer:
**4:30:06**
